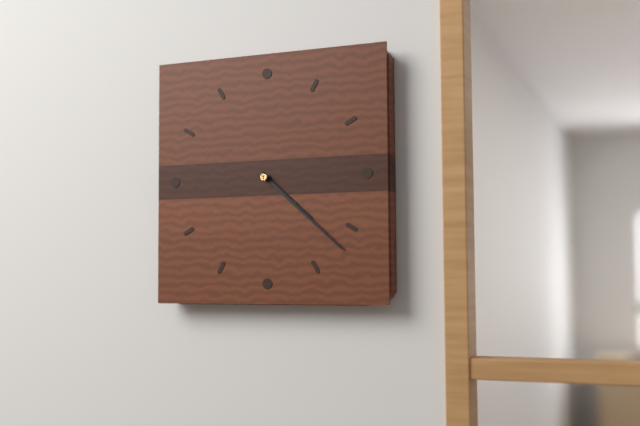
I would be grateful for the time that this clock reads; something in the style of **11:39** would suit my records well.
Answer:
**4:22**
